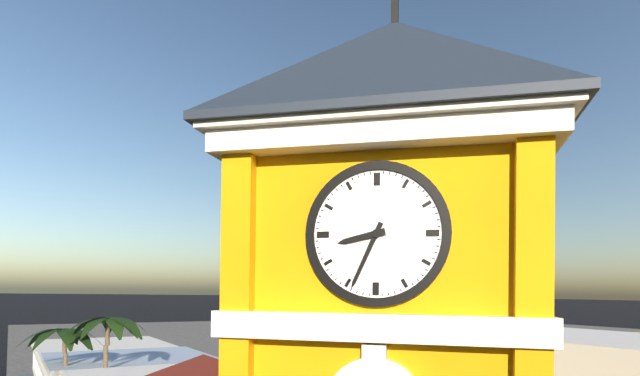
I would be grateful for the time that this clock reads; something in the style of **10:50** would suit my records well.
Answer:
**8:34**
